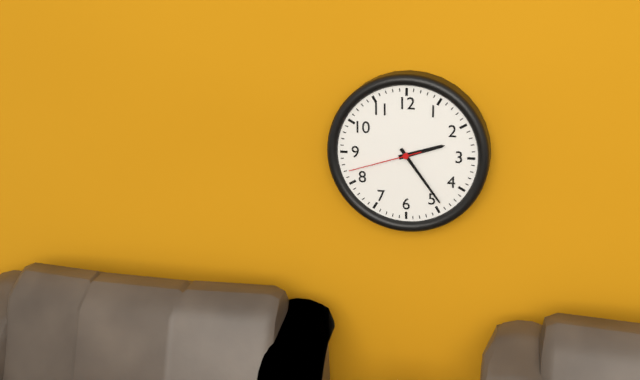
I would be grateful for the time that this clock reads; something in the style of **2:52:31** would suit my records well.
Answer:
**2:24:42**
